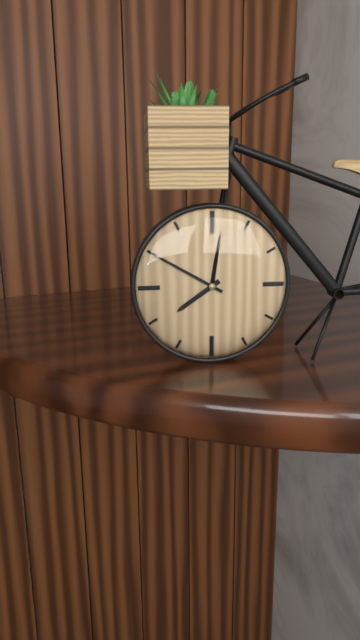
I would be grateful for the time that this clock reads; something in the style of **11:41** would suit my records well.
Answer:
**7:50**
